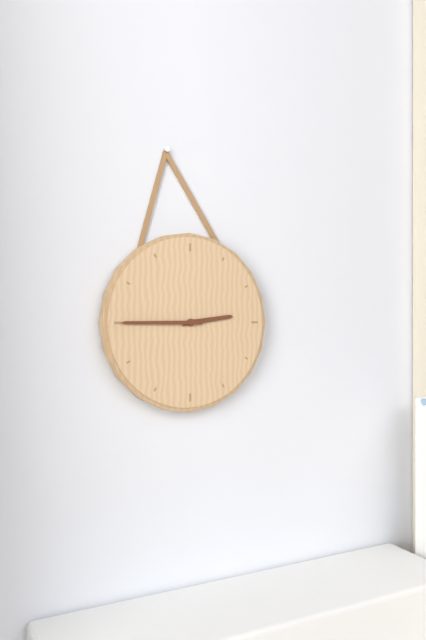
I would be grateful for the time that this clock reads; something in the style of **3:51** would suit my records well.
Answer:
**2:45**
